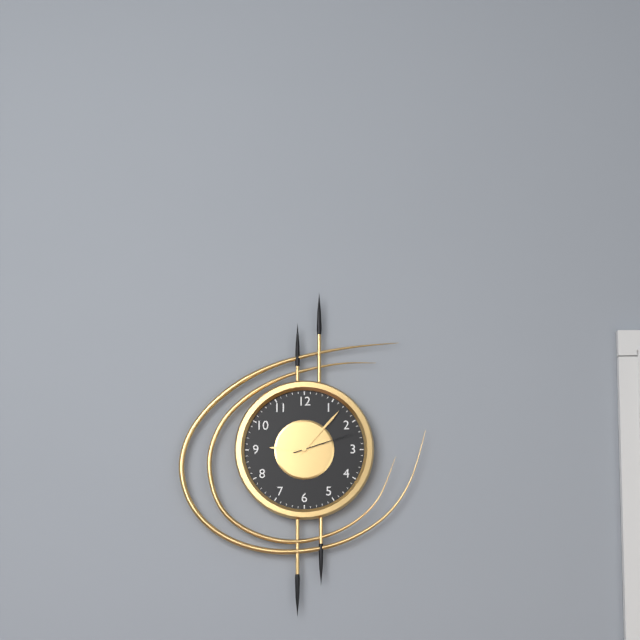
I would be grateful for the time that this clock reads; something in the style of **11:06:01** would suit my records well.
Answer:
**9:07:12**
